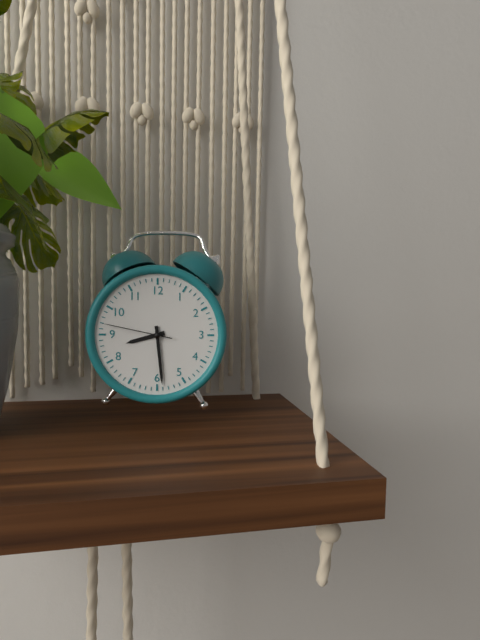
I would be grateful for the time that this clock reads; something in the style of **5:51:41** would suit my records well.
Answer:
**8:29:47**
